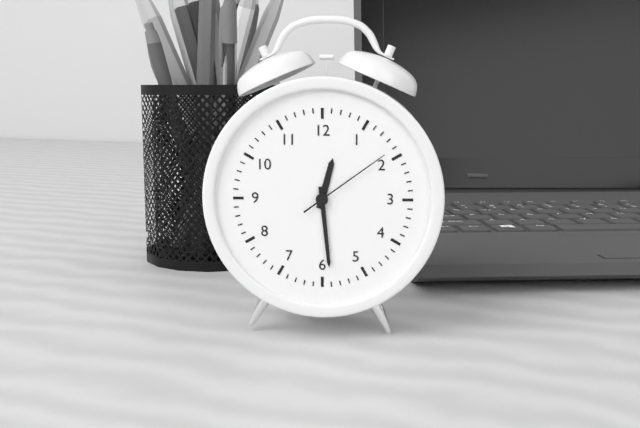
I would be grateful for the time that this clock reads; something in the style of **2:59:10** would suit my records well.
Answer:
**12:29:09**
